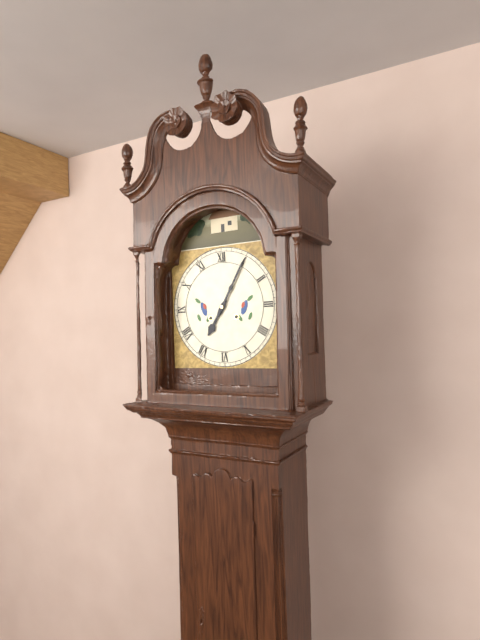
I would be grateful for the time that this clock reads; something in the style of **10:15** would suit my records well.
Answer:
**7:05**
